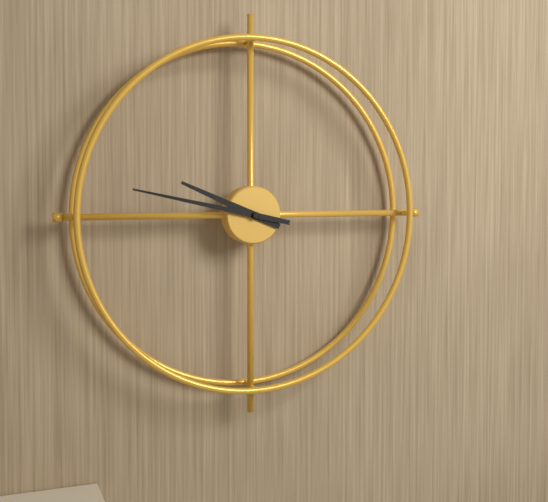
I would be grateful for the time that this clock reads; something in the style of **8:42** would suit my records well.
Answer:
**9:47**
